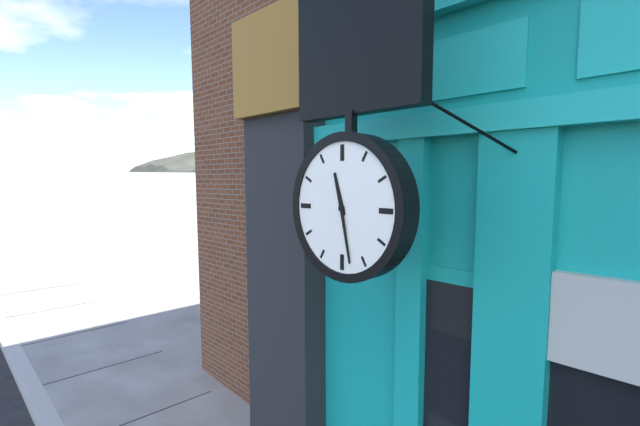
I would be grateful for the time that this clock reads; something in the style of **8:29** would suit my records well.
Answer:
**11:28**
